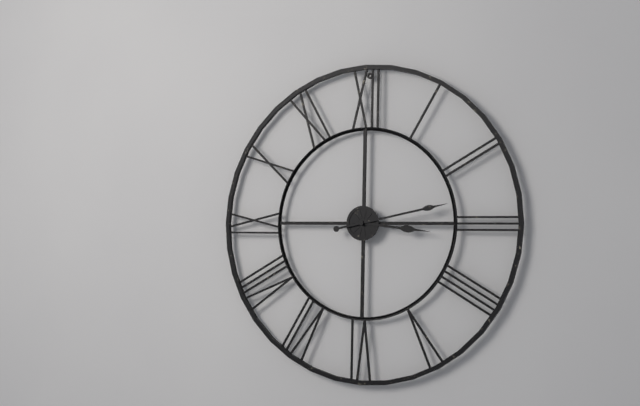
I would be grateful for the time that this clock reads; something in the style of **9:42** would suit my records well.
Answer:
**3:13**
